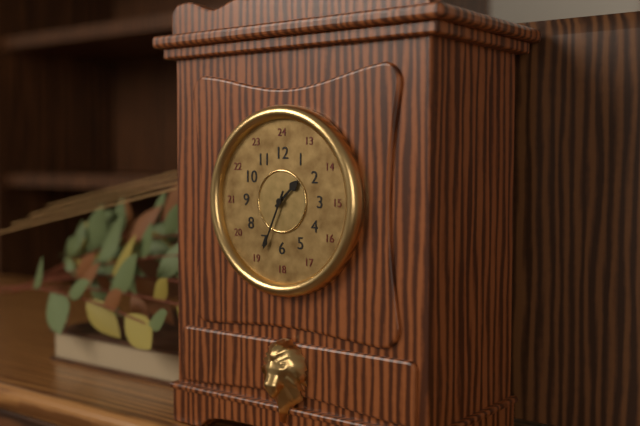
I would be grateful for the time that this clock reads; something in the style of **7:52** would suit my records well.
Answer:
**1:34**
